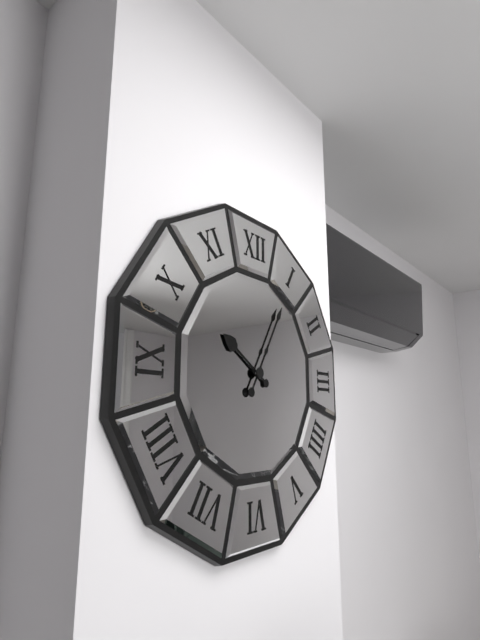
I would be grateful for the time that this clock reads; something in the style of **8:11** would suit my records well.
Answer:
**10:05**
